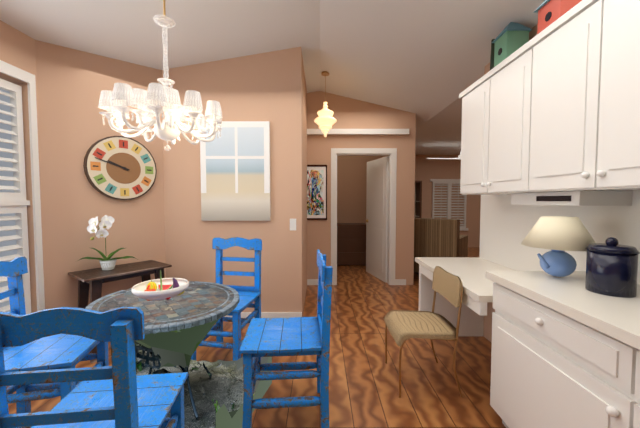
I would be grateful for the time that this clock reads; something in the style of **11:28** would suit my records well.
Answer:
**9:48**
